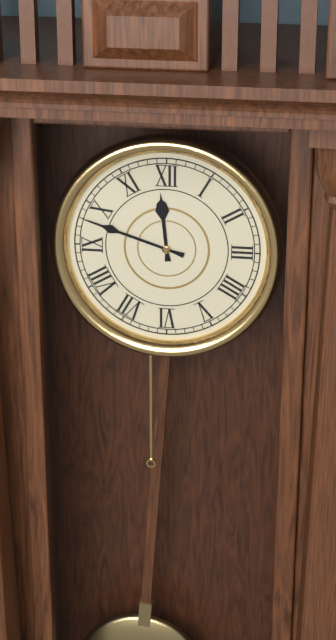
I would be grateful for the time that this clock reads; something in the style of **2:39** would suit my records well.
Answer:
**11:48**
